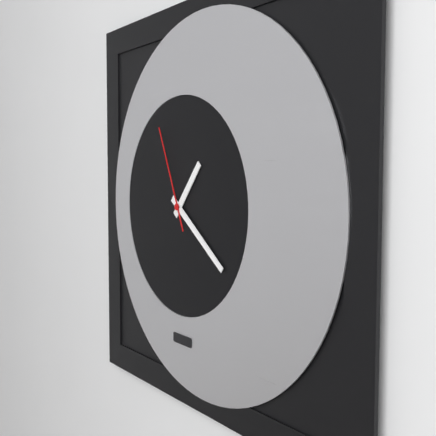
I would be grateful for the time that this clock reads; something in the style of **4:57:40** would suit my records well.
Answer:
**1:21:56**
